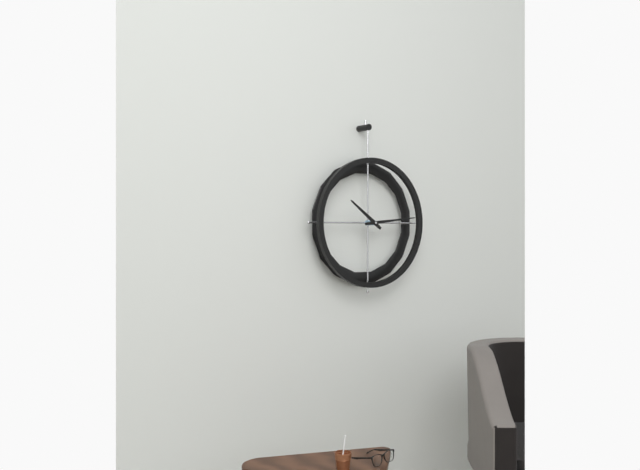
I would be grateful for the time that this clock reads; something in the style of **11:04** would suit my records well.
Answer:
**10:14**
